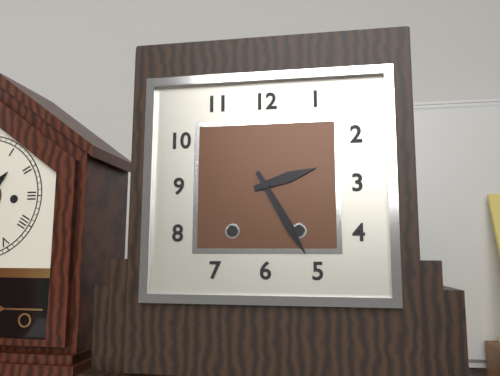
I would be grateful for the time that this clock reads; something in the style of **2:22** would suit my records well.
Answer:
**2:25**
